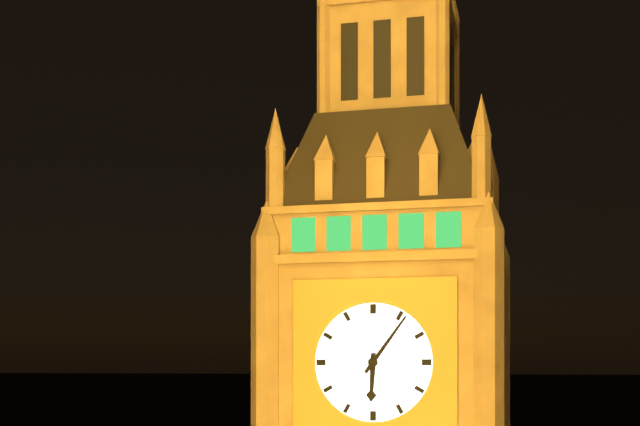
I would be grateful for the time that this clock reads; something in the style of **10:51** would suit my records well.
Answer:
**6:06**
